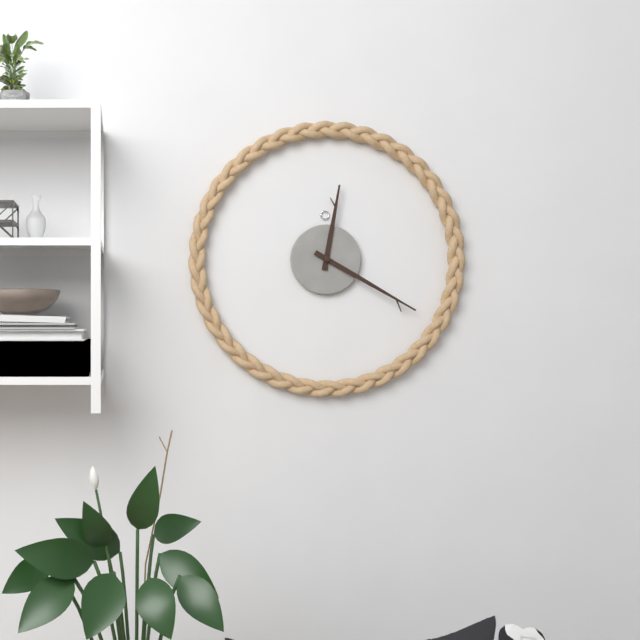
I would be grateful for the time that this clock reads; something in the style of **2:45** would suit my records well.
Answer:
**12:20**
